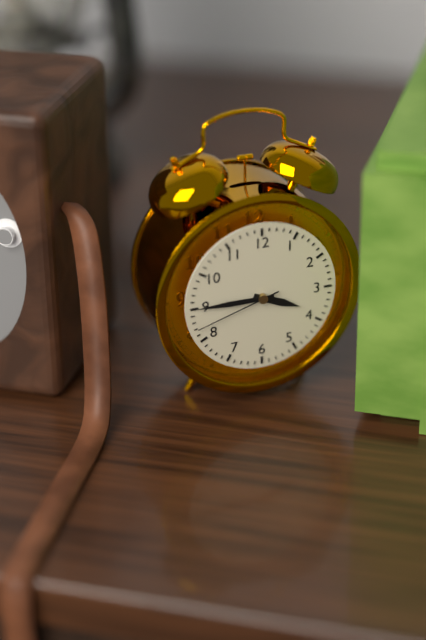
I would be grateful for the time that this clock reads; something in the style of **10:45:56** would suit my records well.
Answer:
**3:45:42**
